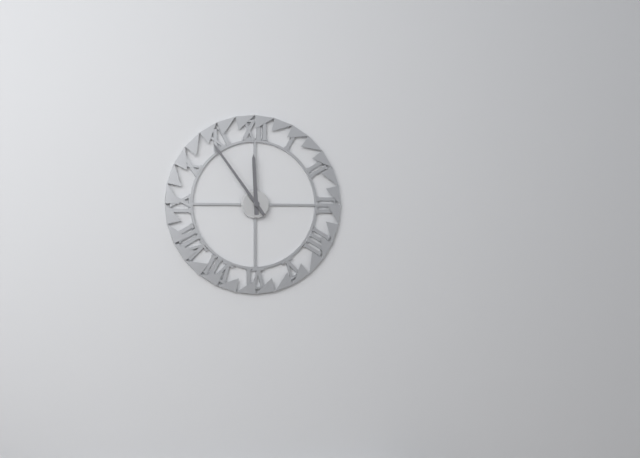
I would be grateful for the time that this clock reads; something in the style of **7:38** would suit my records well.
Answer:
**11:54**
